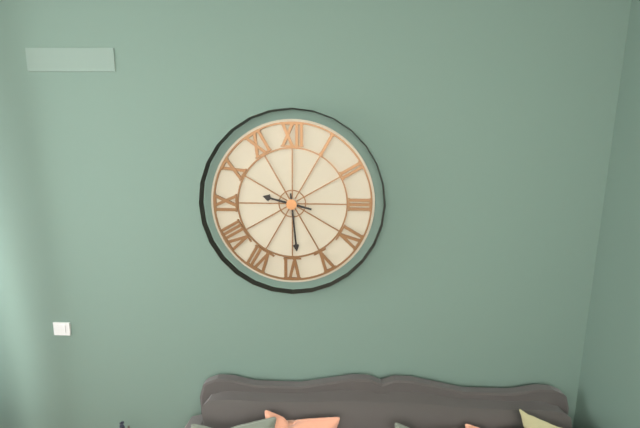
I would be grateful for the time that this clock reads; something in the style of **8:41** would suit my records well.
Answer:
**9:29**
